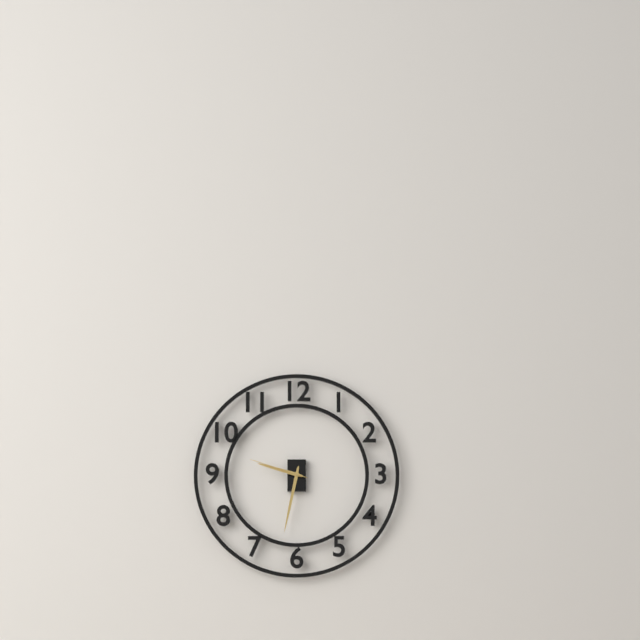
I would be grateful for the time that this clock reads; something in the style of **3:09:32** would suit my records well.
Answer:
**9:32:48**
